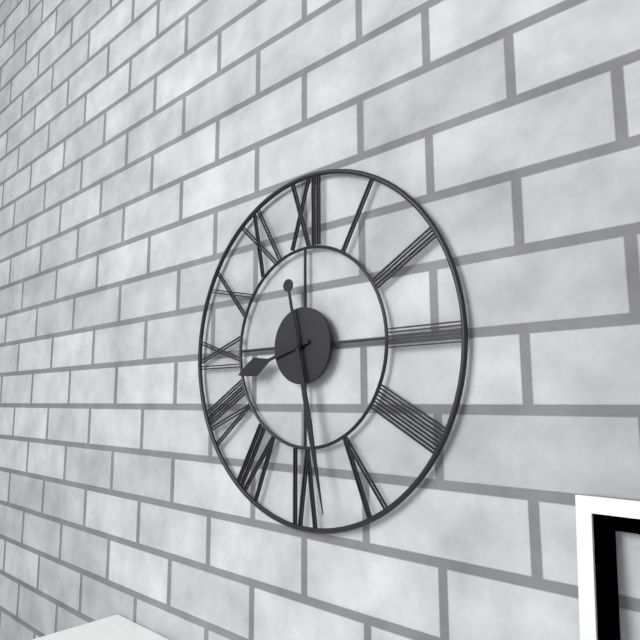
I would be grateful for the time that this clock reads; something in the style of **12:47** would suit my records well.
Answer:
**8:28**
